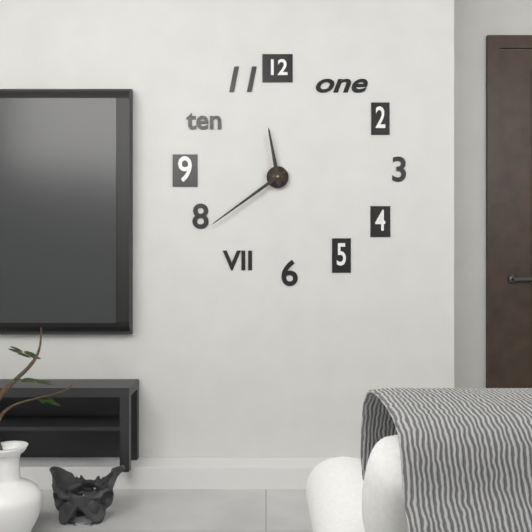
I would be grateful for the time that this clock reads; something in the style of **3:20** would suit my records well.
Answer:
**11:39**
